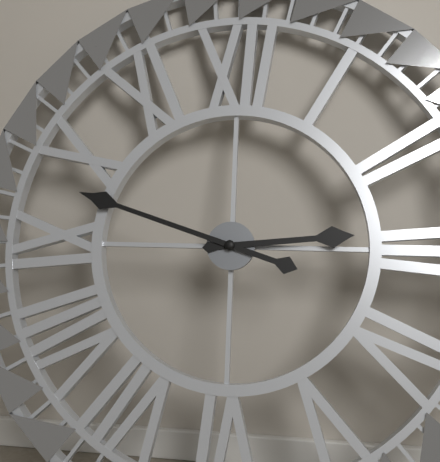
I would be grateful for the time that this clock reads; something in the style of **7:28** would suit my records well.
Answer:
**2:48**
